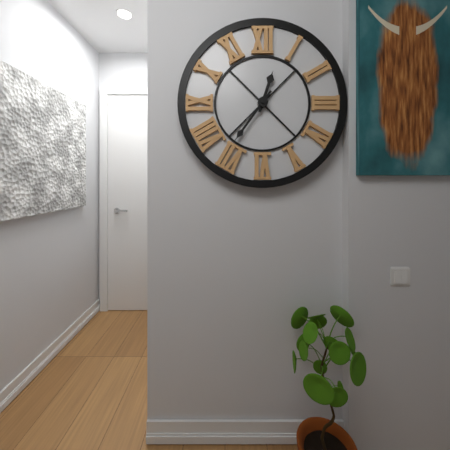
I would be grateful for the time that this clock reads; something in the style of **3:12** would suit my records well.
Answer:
**12:36**
